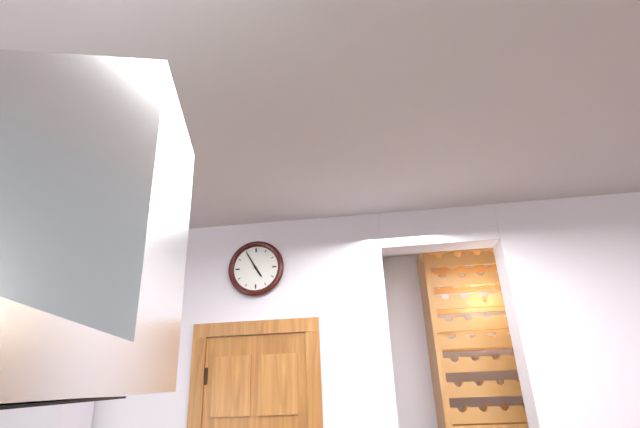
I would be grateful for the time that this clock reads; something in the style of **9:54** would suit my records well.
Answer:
**4:55**
